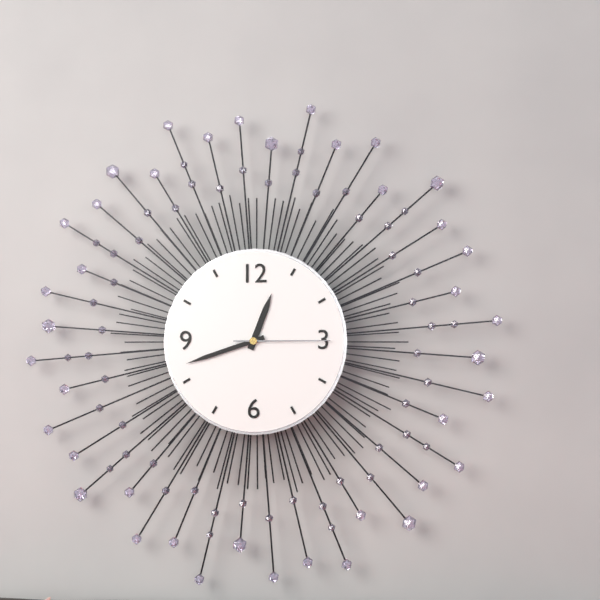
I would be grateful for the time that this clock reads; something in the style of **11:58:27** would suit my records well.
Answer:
**12:42:15**
